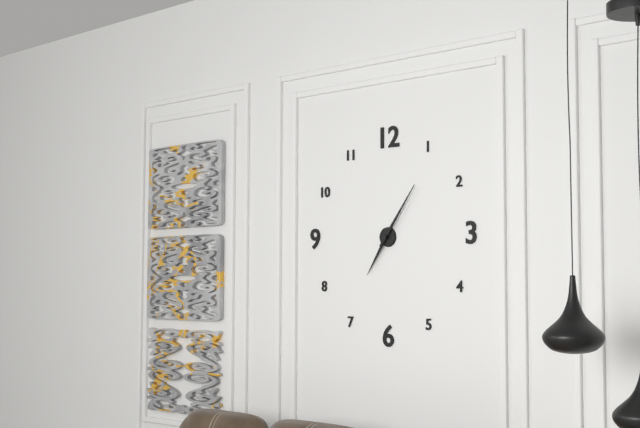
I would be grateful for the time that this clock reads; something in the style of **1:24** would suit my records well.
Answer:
**7:06**
